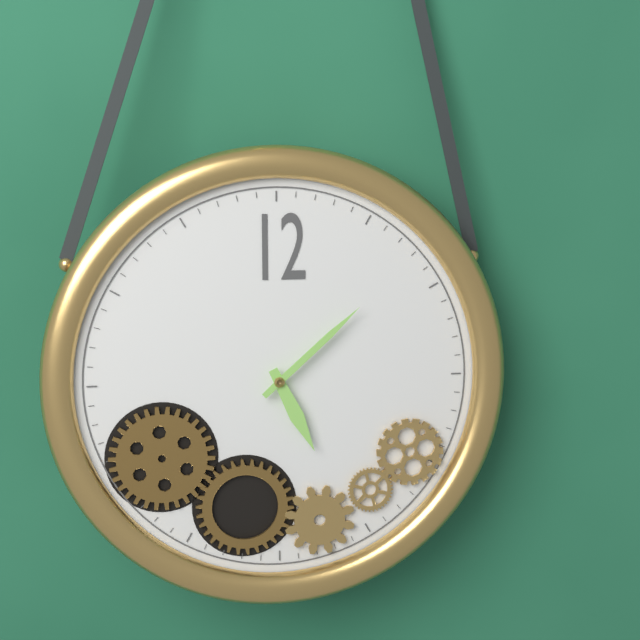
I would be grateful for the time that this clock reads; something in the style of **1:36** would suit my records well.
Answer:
**5:08**
